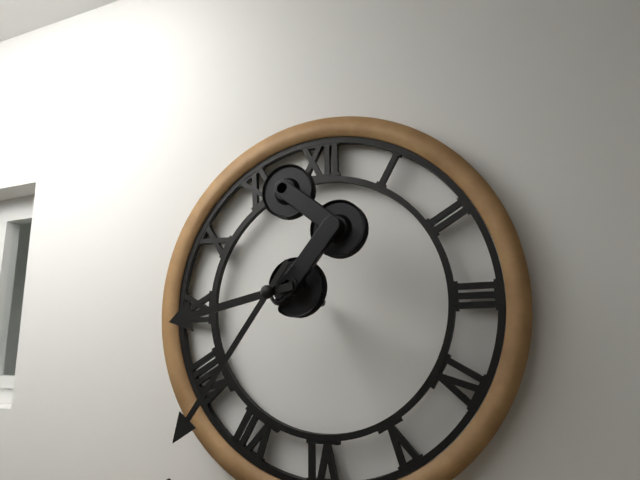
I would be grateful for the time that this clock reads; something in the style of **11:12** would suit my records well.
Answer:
**8:36**
